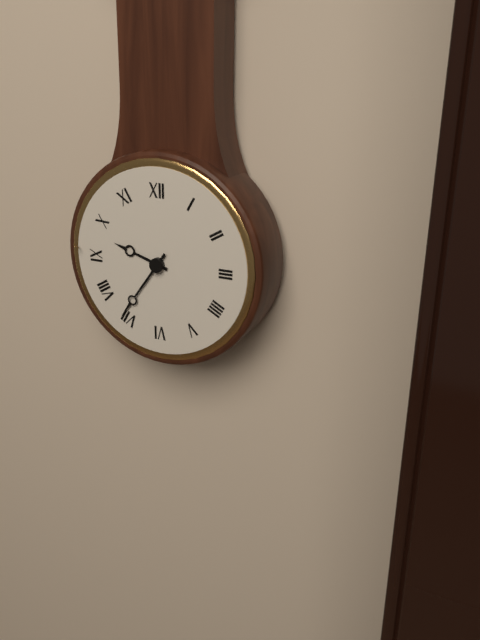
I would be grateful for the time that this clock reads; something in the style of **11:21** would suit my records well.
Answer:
**9:36**
